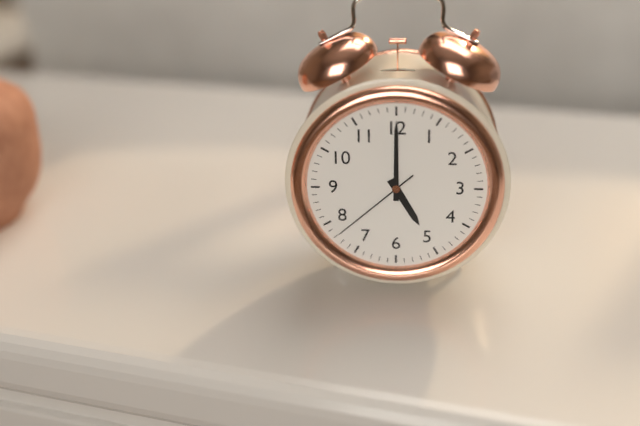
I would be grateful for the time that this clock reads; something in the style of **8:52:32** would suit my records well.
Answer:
**5:00:38**
